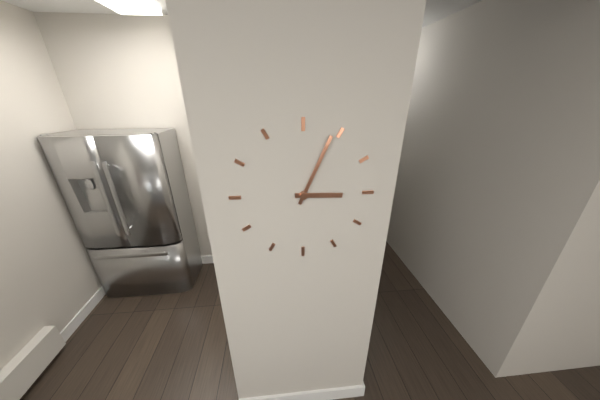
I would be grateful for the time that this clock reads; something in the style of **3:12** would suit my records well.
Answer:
**3:04**
